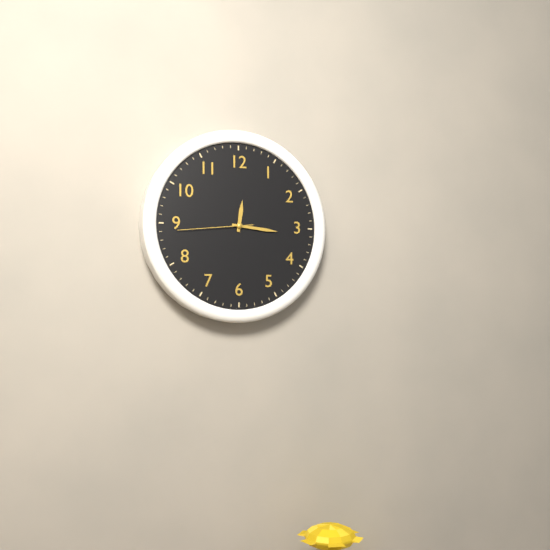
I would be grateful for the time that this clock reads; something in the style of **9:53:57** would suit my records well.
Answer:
**12:16:44**
